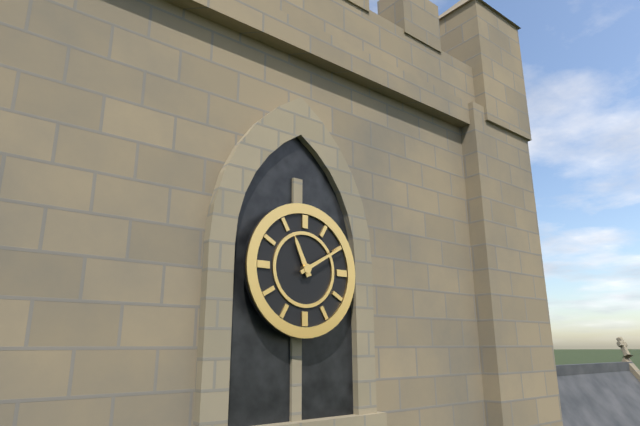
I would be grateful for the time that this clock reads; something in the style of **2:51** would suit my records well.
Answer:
**11:10**
